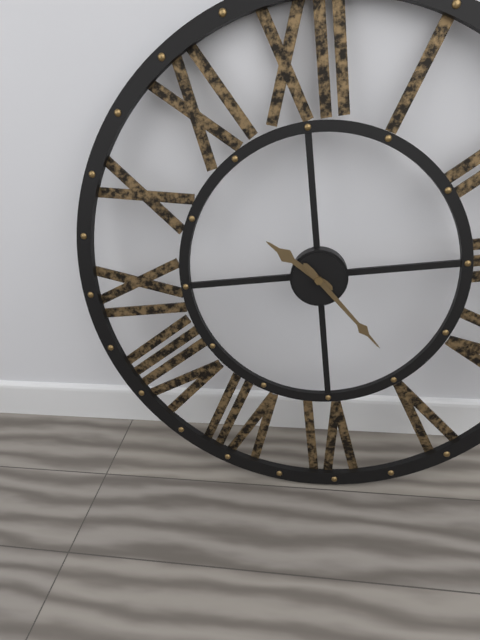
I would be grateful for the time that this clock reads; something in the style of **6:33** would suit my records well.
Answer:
**10:24**
